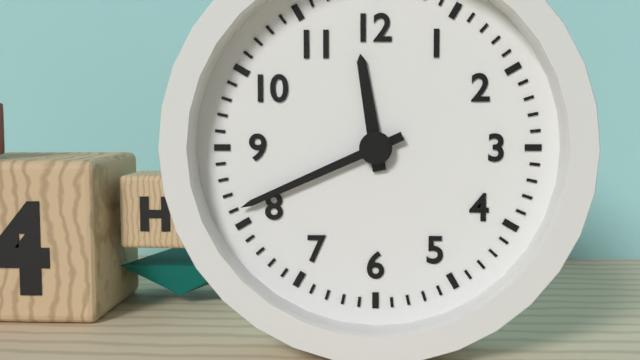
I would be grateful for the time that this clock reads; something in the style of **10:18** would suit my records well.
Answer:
**11:41**
